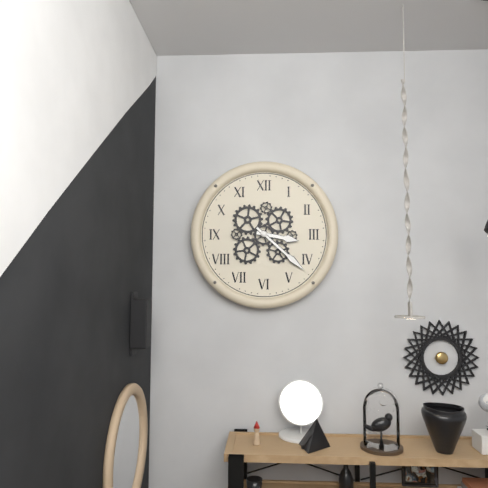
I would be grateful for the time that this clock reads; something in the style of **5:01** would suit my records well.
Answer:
**3:22**
